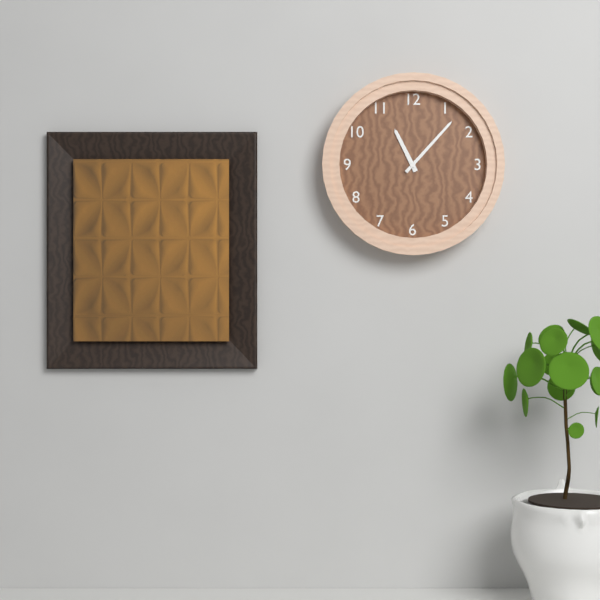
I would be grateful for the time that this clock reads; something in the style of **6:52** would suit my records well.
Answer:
**11:07**
